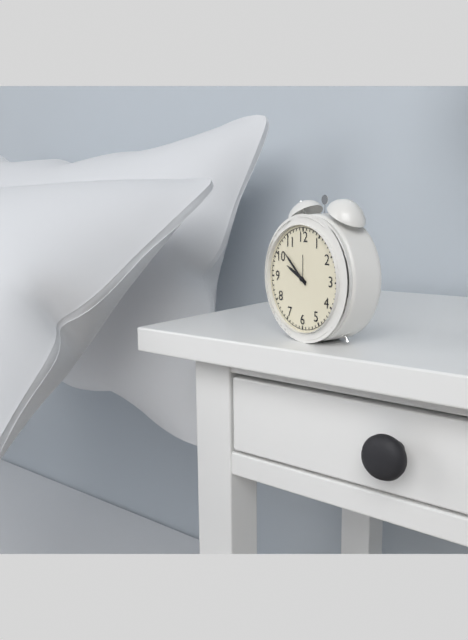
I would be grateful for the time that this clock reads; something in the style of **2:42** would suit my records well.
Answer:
**9:52**
